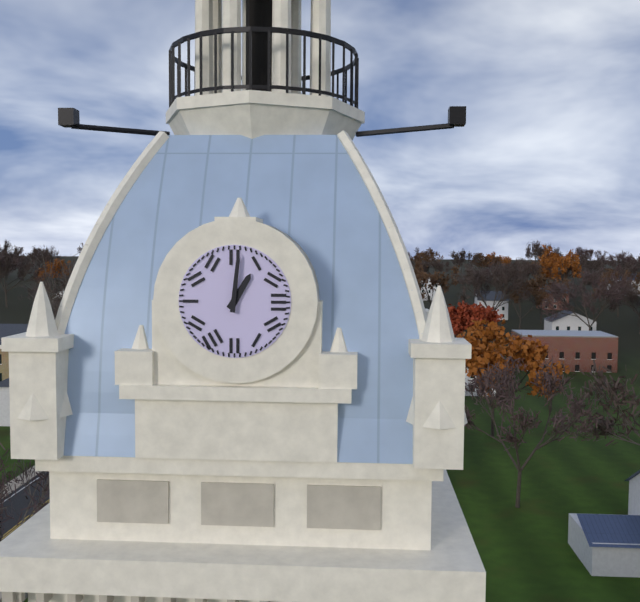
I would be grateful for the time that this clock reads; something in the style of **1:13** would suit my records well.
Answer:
**1:01**
